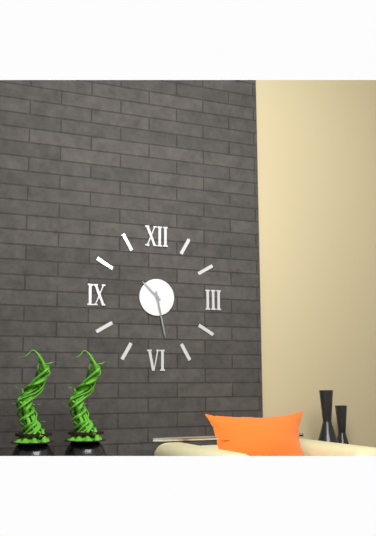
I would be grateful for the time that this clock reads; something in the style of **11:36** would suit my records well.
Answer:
**10:28**
